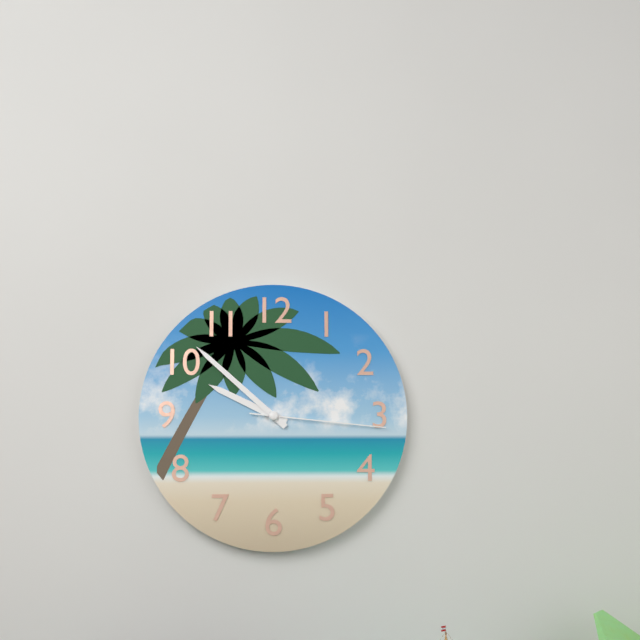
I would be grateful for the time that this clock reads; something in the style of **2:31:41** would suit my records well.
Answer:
**9:52:16**
